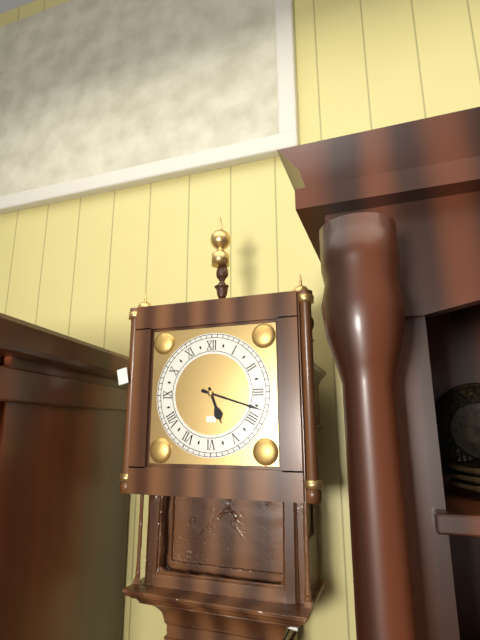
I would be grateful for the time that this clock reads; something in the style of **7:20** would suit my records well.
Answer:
**5:18**
